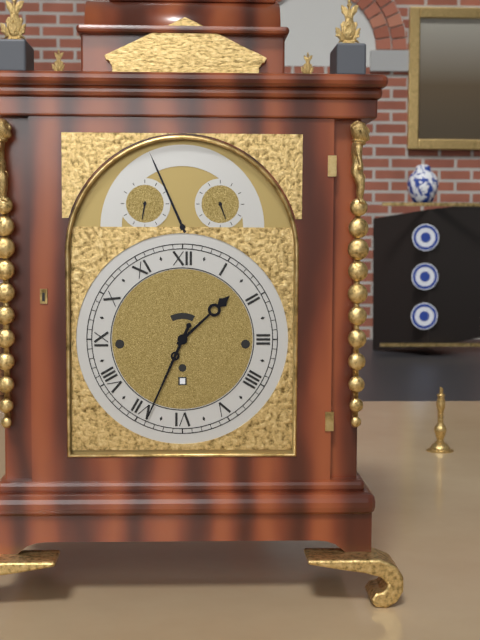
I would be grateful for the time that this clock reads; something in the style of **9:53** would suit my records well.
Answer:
**1:34**
